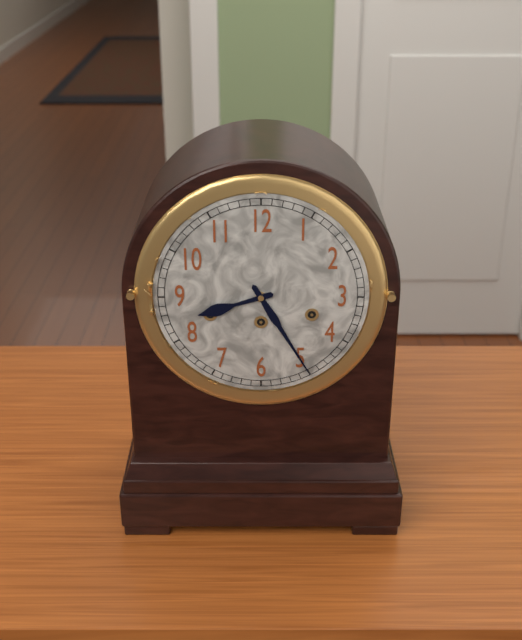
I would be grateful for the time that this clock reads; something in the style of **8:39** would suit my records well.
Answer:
**8:25**
